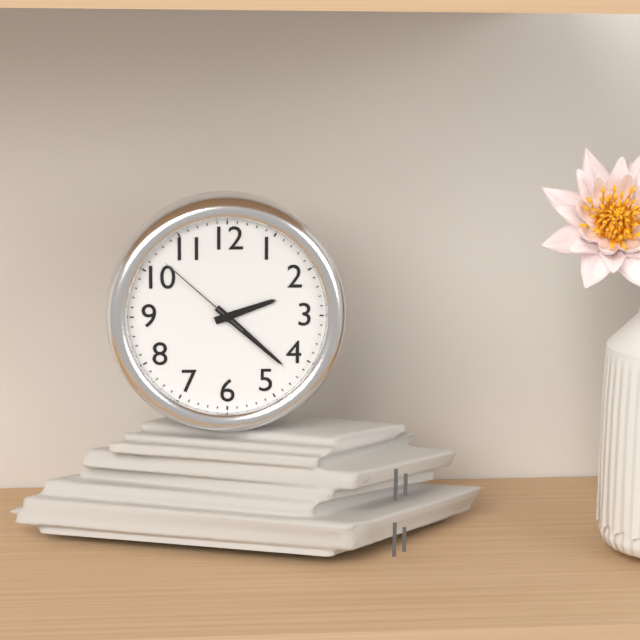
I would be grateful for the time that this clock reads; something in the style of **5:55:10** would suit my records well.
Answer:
**2:22:52**
